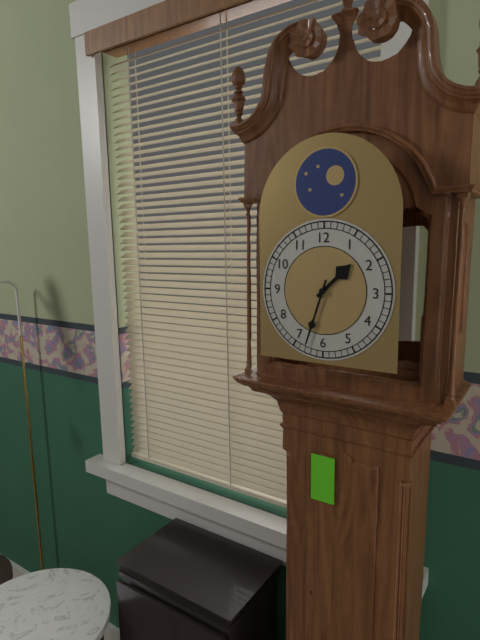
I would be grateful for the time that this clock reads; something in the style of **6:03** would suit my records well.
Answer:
**1:33**
